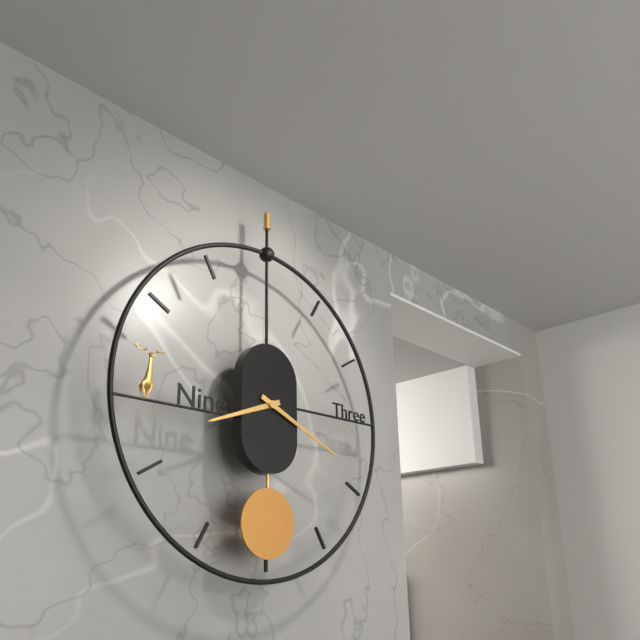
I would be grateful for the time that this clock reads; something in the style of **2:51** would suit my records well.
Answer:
**8:19**
